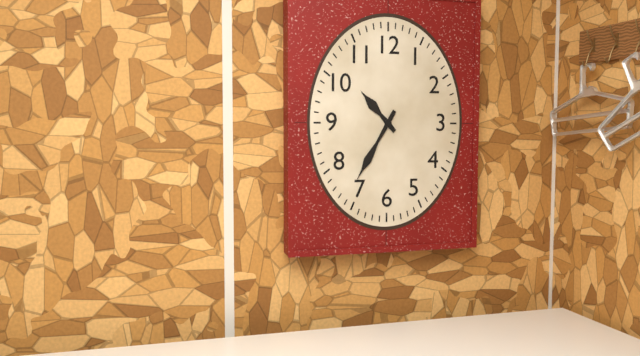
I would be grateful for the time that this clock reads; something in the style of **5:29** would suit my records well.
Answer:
**10:35**
